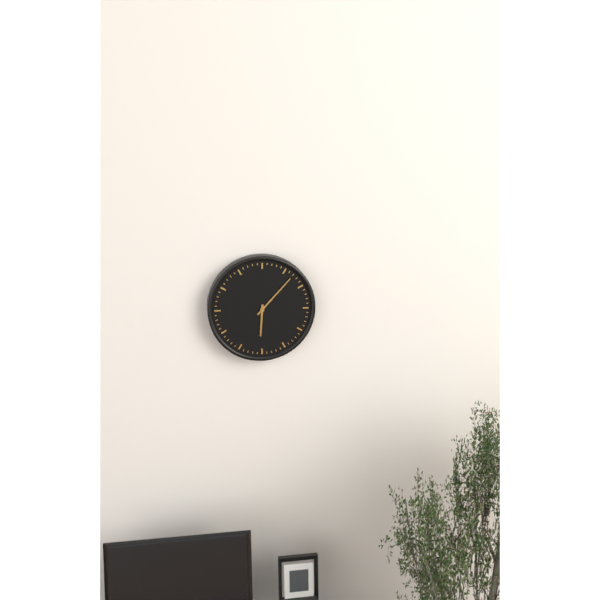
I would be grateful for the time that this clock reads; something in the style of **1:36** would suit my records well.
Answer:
**6:07**
